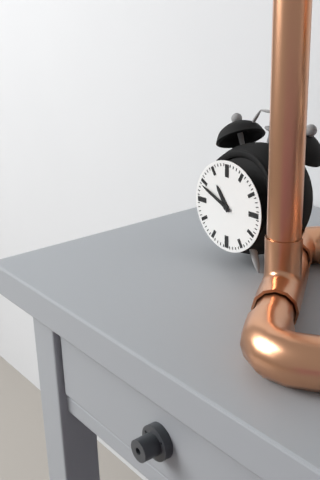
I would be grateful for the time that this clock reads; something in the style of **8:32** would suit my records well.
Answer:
**10:49**
